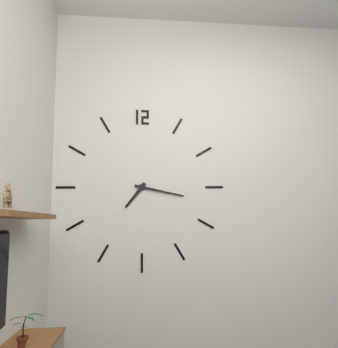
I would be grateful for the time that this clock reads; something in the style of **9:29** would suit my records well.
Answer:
**7:17**
